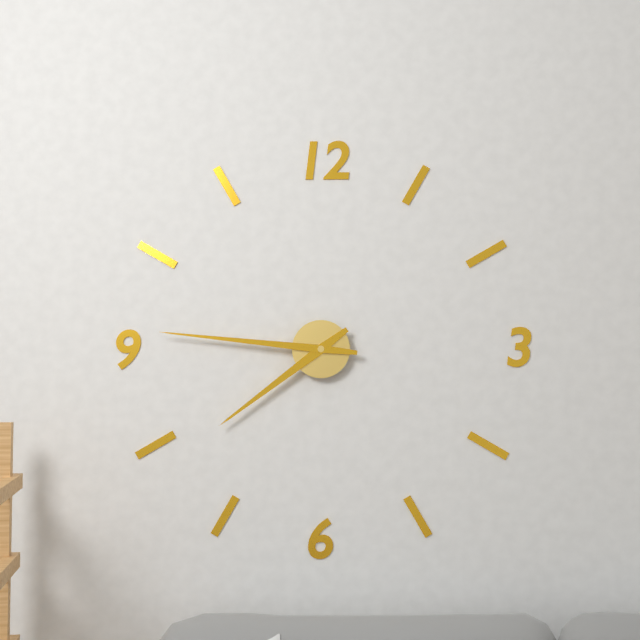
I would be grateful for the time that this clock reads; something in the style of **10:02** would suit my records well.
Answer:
**7:46**
